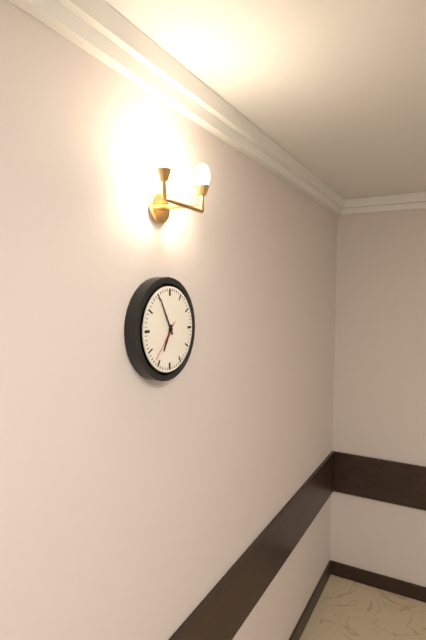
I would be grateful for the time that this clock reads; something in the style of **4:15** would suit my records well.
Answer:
**6:55**
